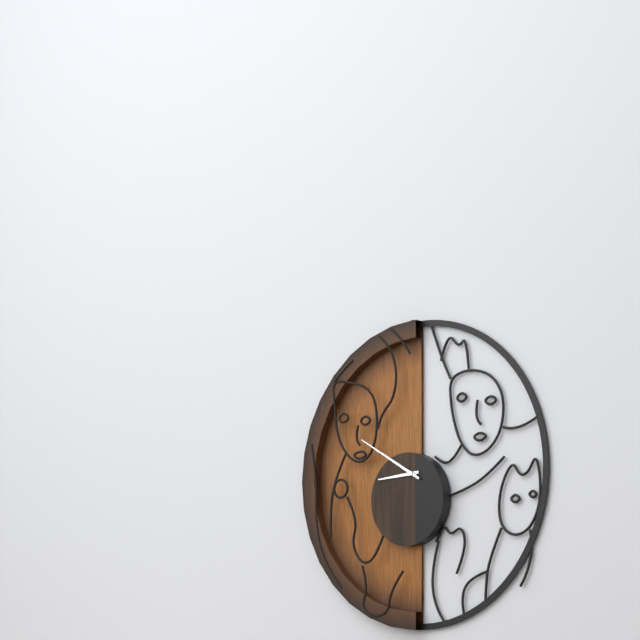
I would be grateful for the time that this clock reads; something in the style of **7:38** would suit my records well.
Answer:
**8:50**
